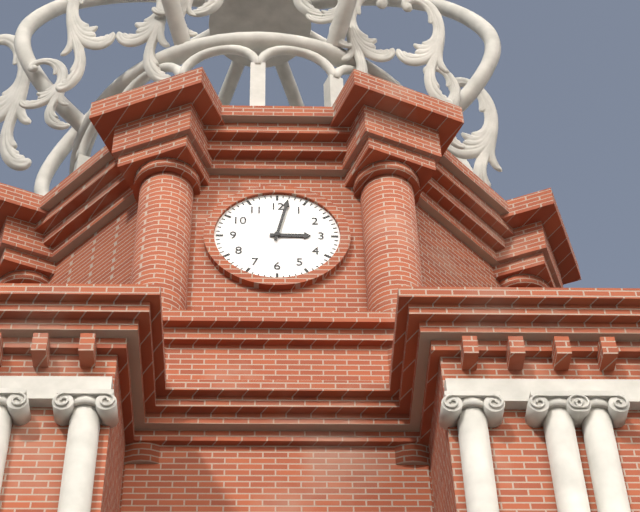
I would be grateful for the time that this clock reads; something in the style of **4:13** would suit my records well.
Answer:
**3:02**
